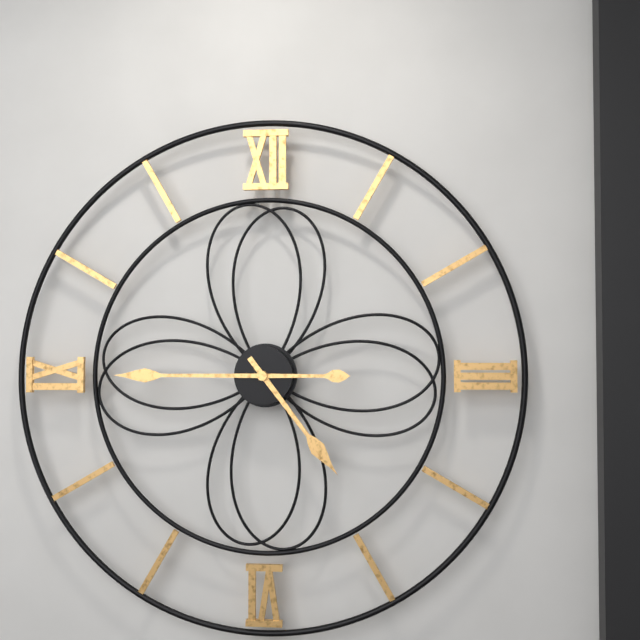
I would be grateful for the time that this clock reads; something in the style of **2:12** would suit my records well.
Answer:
**4:45**
